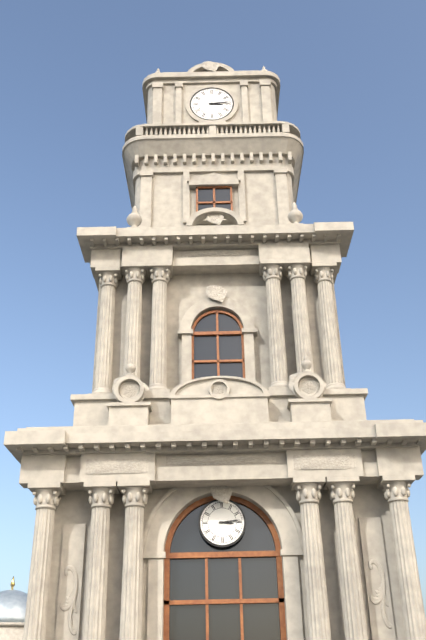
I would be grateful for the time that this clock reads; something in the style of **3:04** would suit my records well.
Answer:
**3:14**
